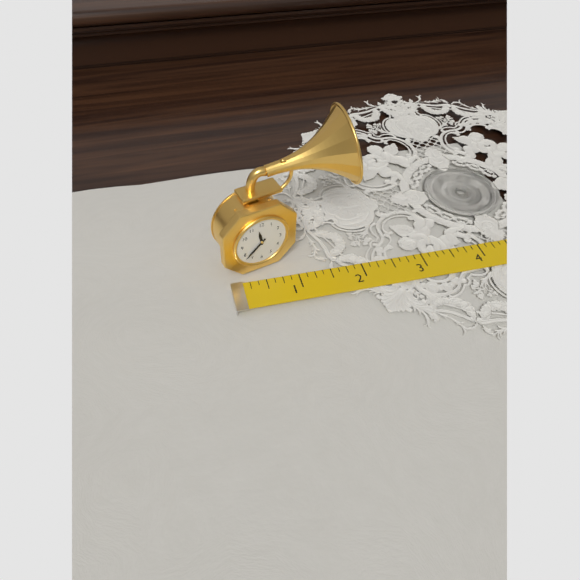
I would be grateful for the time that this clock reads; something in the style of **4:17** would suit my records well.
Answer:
**11:38**
